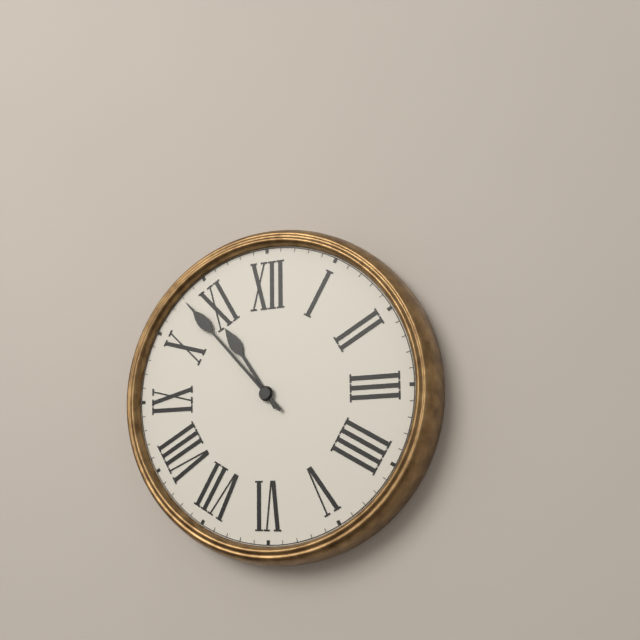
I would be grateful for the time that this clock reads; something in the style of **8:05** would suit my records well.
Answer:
**10:53**
